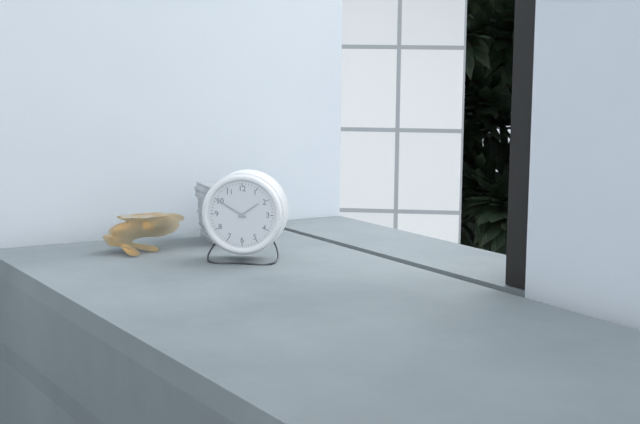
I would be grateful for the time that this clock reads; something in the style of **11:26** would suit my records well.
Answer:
**1:50**
